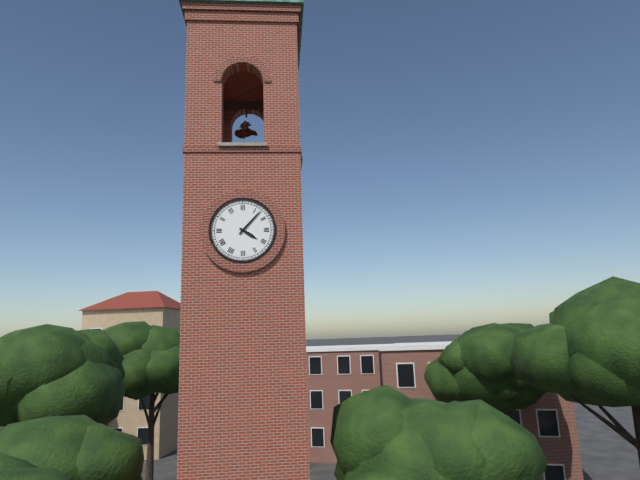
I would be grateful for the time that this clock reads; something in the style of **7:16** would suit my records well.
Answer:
**4:07**
